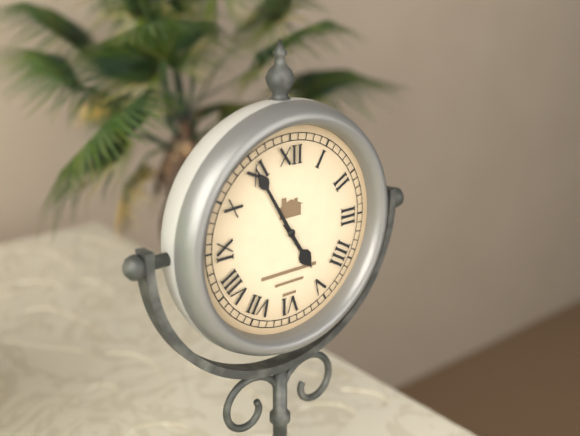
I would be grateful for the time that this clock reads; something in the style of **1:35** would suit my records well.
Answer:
**4:55**
